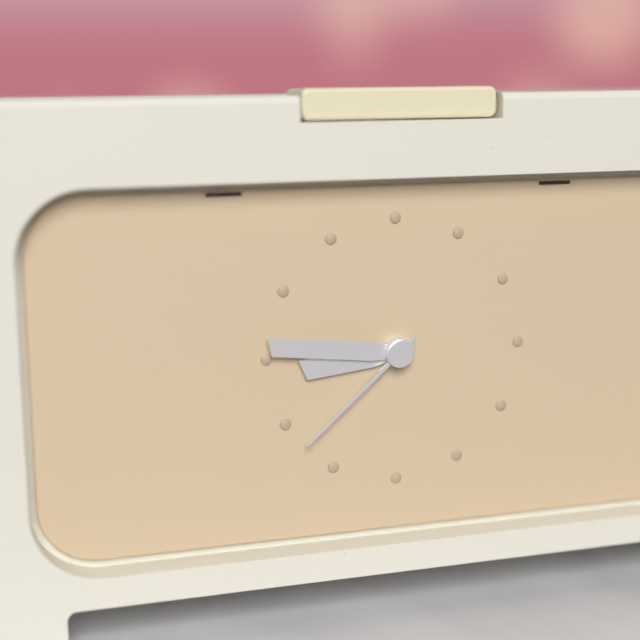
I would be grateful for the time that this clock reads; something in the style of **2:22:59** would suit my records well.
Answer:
**8:46:38**
